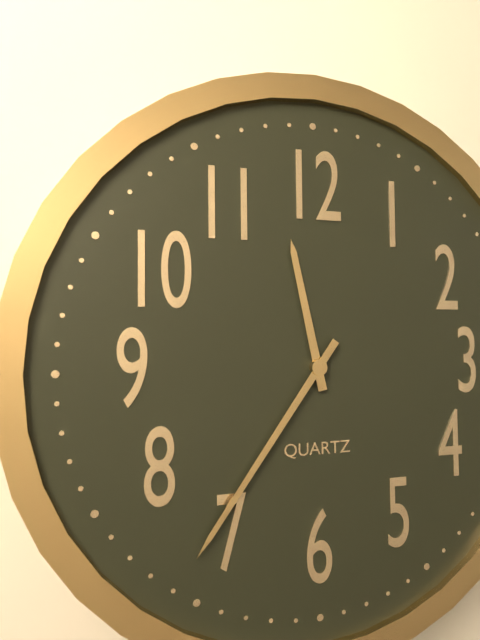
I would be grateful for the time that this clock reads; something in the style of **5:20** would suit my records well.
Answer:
**11:36**
